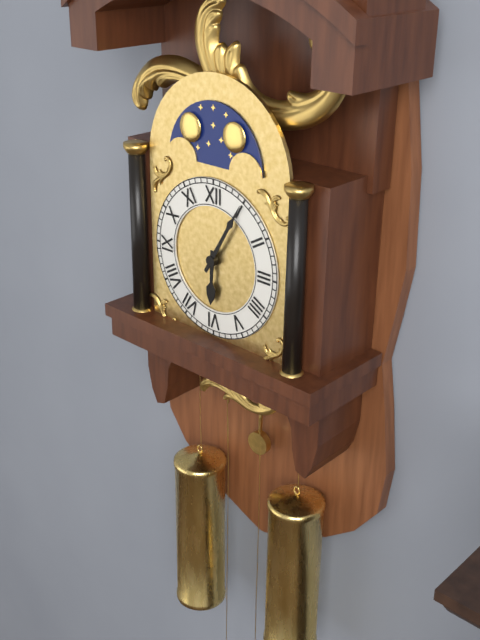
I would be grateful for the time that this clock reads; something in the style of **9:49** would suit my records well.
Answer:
**6:05**
